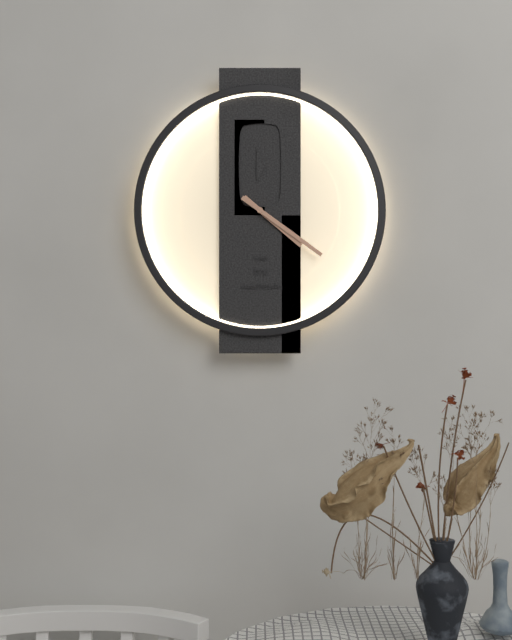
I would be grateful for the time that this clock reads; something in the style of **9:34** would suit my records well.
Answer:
**4:21**
